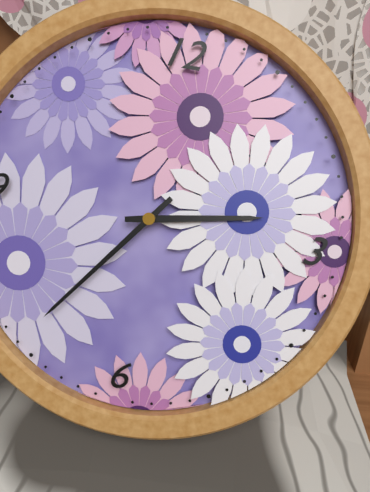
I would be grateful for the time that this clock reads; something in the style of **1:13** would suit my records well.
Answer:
**2:36**
